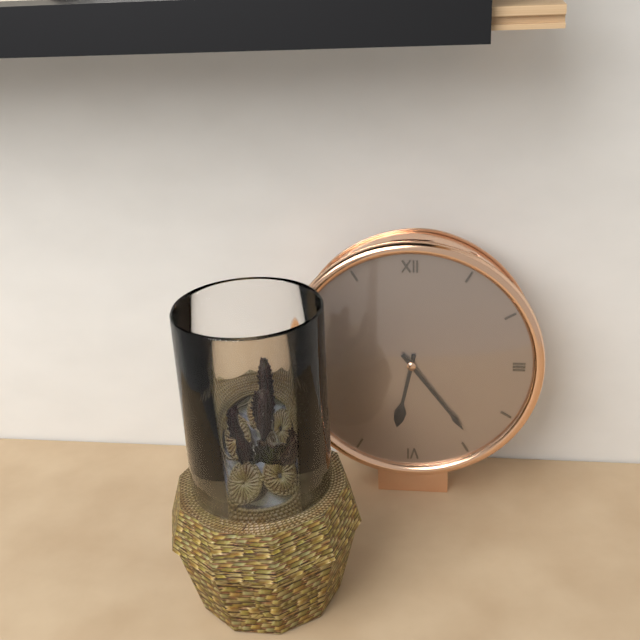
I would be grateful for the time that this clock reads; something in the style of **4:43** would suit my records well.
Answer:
**6:24**
